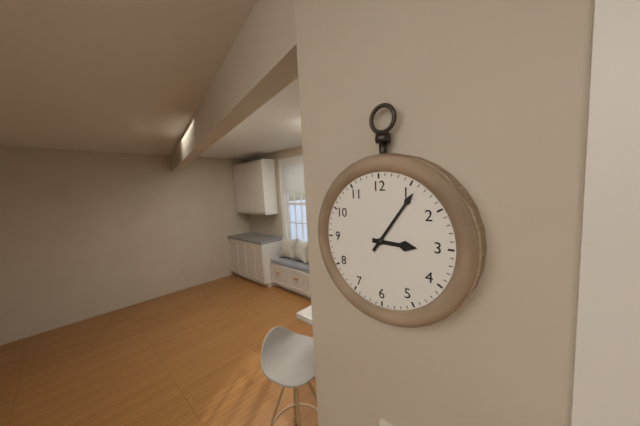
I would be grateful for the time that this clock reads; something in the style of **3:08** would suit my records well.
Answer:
**3:06**
